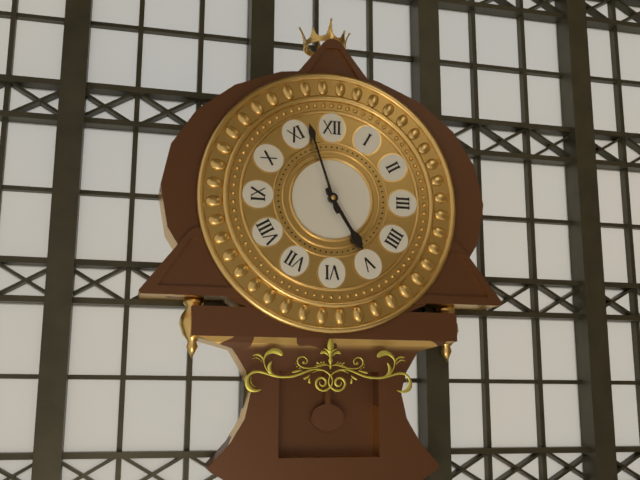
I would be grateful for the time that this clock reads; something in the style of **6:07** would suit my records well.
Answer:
**4:57**
